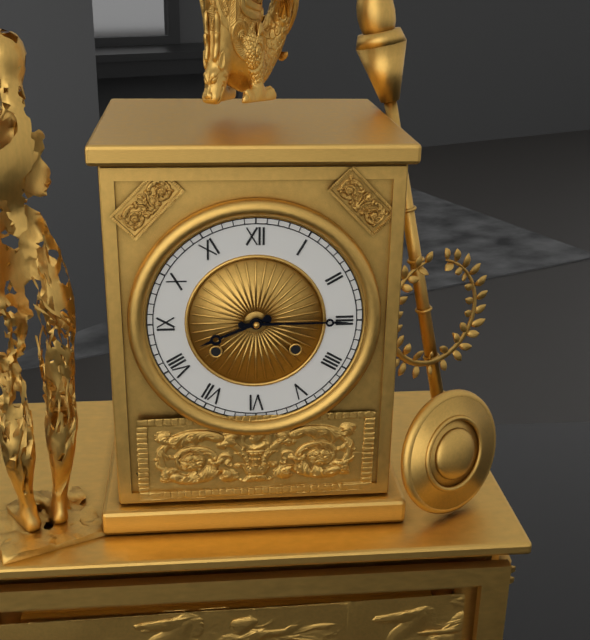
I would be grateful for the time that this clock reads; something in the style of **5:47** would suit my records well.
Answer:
**8:15**
